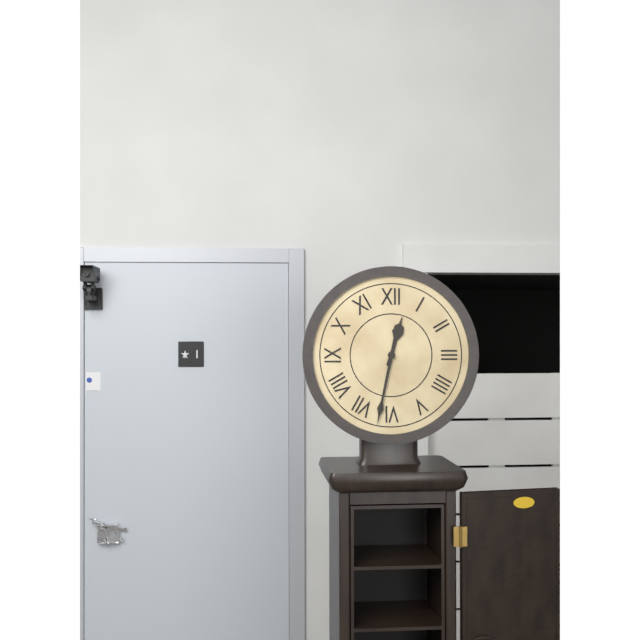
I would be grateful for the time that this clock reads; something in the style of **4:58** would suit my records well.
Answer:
**12:32**
